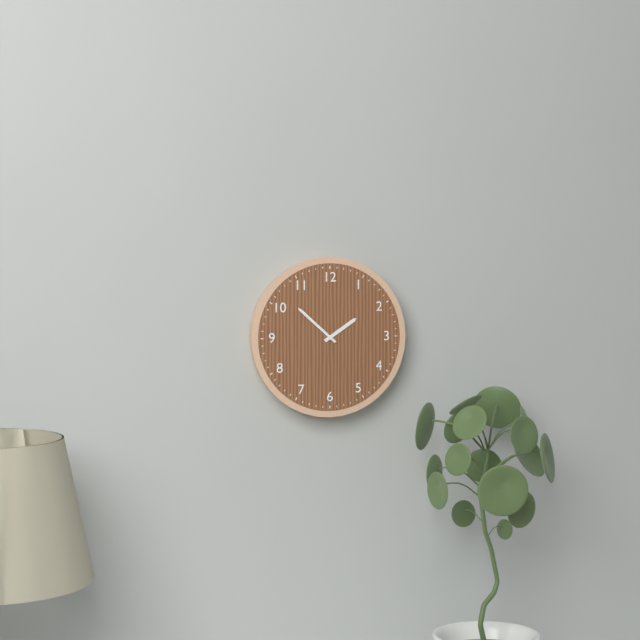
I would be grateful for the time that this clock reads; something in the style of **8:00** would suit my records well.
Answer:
**1:52**
